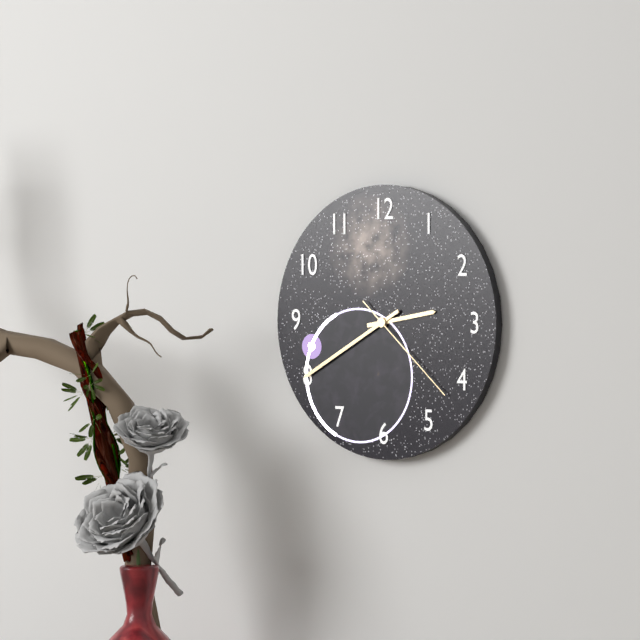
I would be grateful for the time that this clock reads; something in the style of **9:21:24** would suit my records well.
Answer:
**2:40:22**
